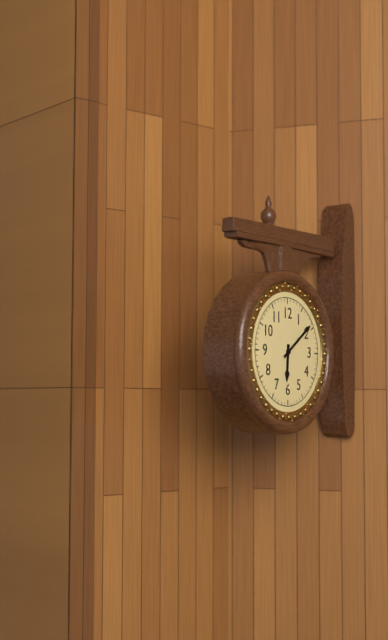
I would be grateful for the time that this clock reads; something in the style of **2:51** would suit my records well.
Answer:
**6:09**
